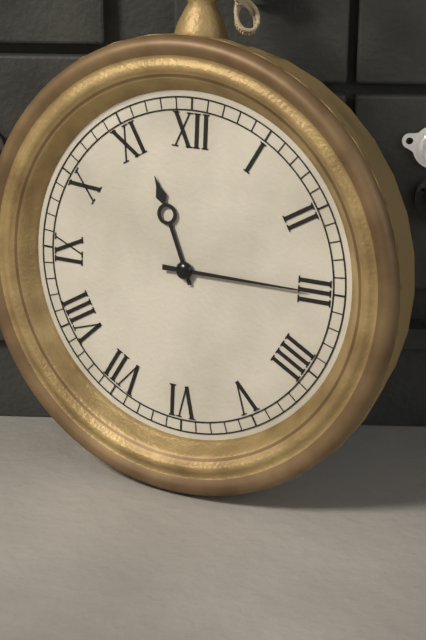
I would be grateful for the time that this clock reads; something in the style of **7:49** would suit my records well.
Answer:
**11:15**
